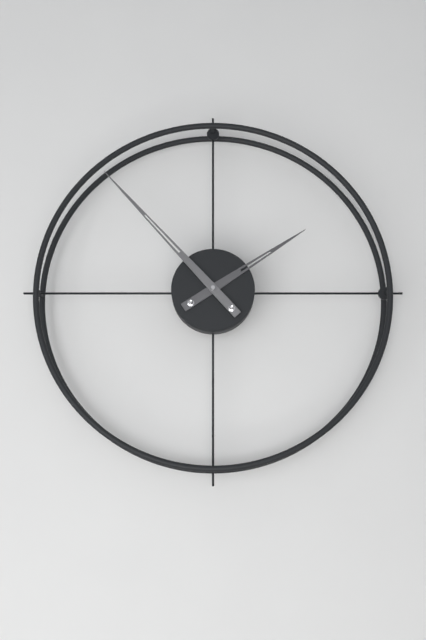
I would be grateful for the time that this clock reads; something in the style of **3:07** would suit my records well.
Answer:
**1:53**
